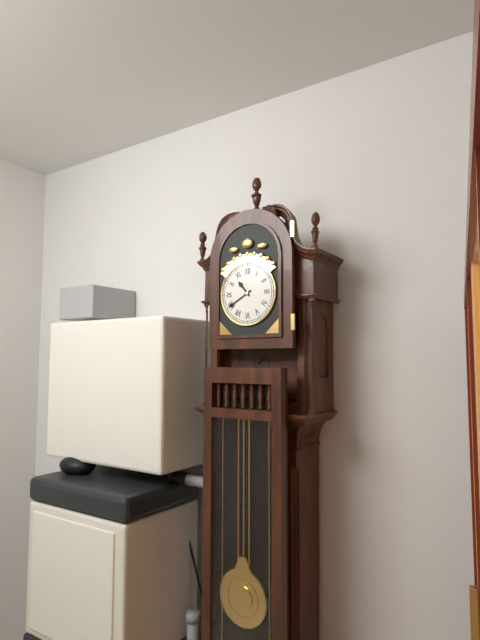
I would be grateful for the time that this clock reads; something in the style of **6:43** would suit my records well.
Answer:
**10:40**
